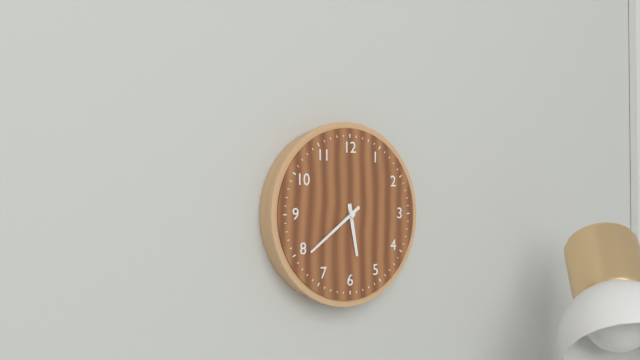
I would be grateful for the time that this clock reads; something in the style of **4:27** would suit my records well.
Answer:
**5:39**
